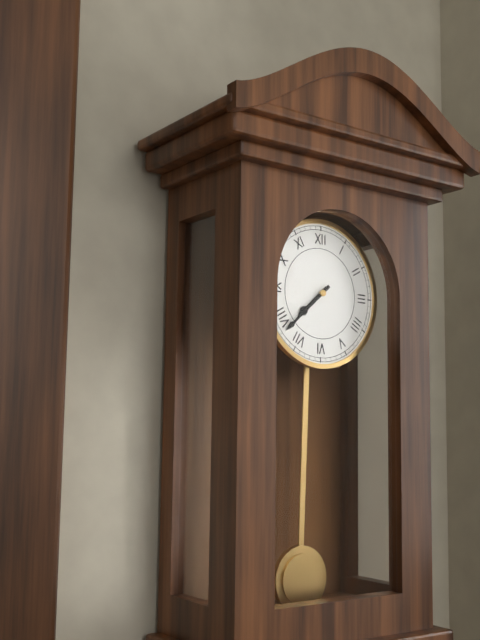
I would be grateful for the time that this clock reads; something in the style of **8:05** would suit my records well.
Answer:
**7:38**
